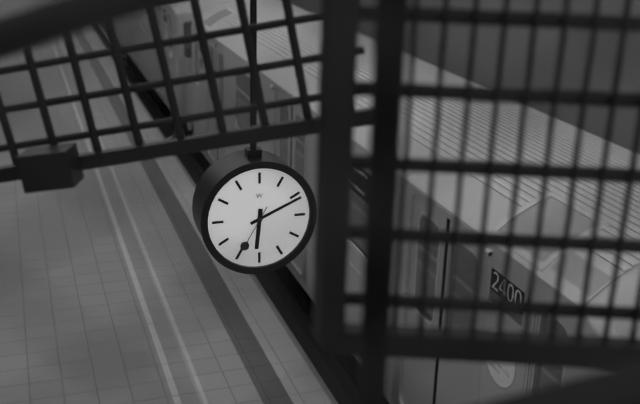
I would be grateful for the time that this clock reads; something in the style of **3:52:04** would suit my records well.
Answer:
**6:11:35**
